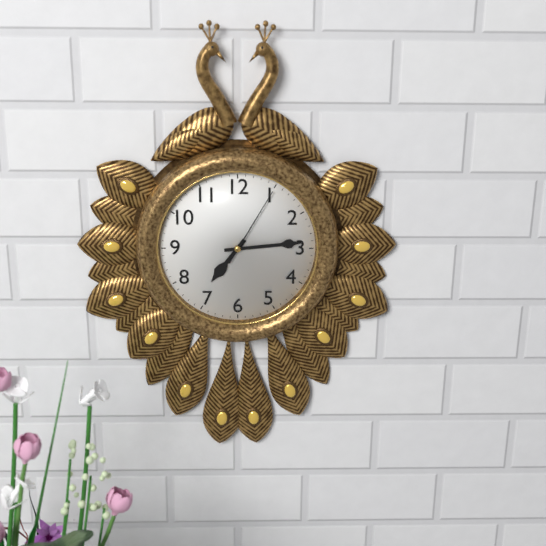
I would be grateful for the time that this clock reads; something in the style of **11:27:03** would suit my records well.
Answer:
**7:14:05**
